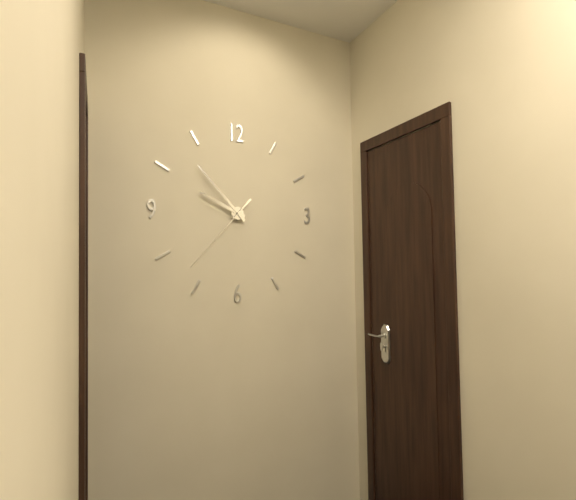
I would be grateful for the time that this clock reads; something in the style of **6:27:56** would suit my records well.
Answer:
**9:53:37**
